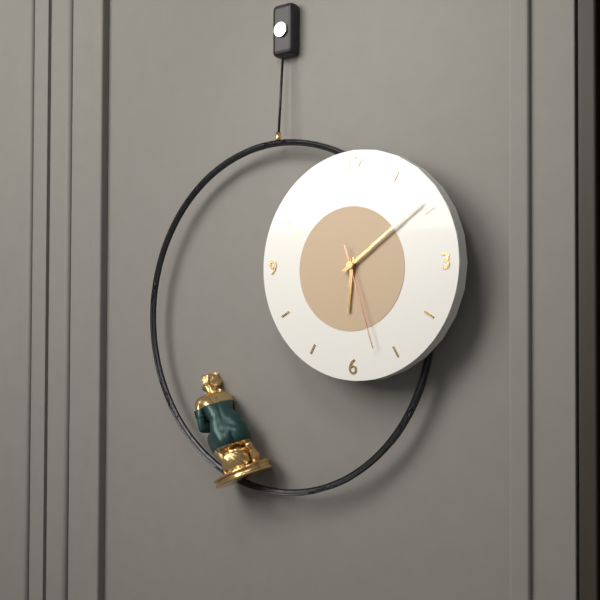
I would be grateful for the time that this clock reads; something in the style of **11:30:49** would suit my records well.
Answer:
**6:09:27**
